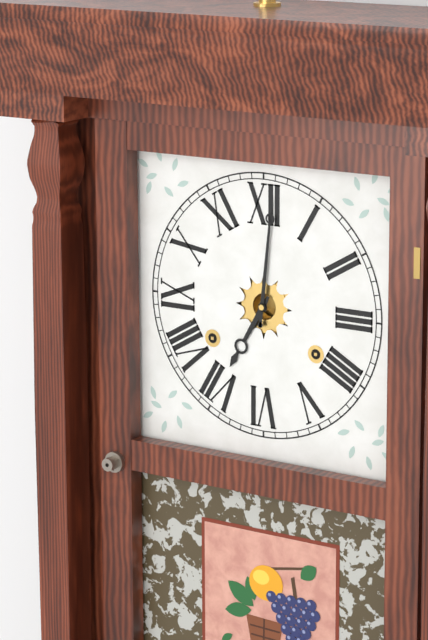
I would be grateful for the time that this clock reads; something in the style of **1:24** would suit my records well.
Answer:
**7:01**
